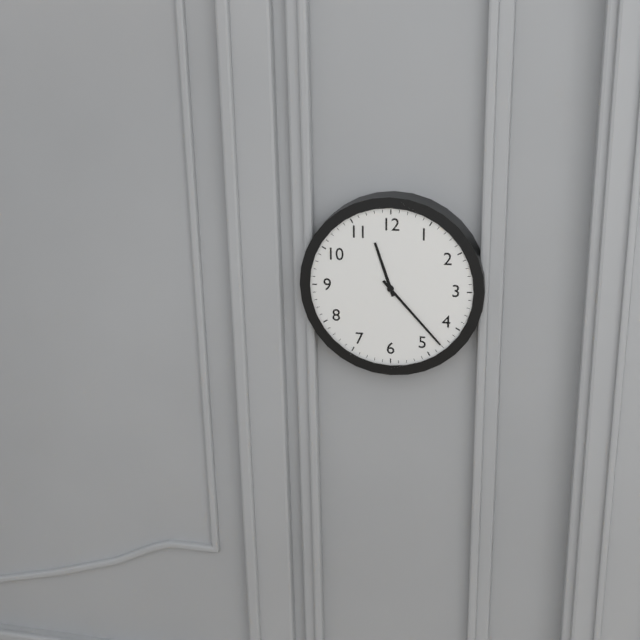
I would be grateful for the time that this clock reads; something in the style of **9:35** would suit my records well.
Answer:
**11:23**
